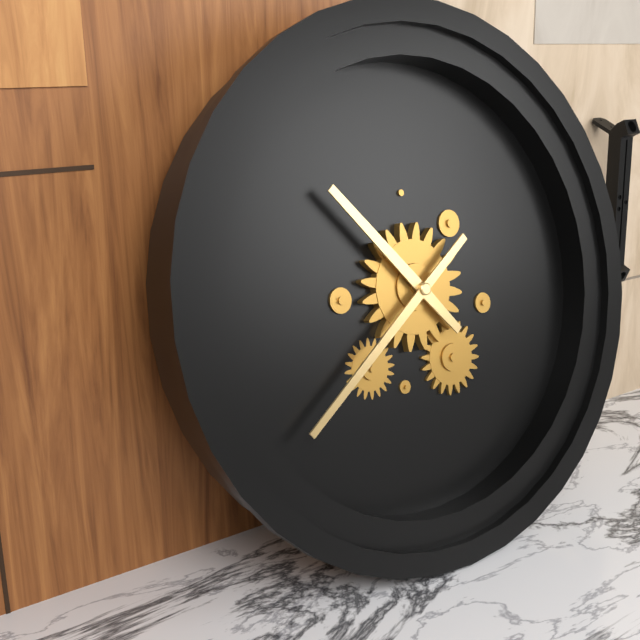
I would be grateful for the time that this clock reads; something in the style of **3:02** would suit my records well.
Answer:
**10:39**
